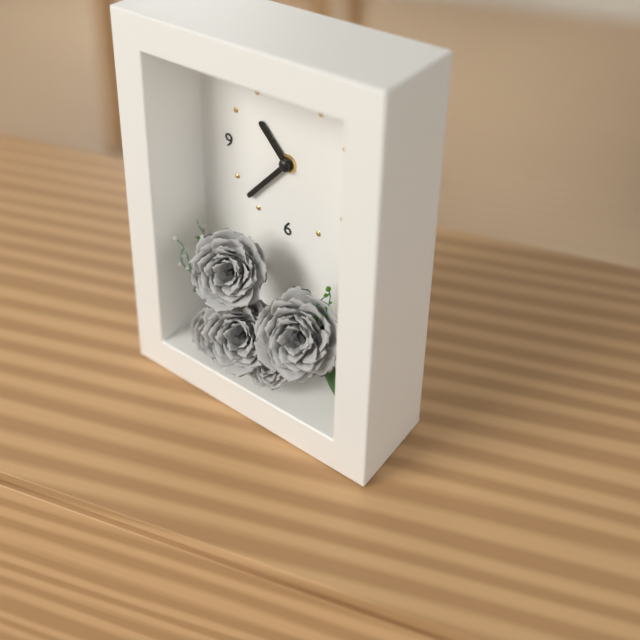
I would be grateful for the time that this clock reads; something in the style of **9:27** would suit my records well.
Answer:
**10:37**
